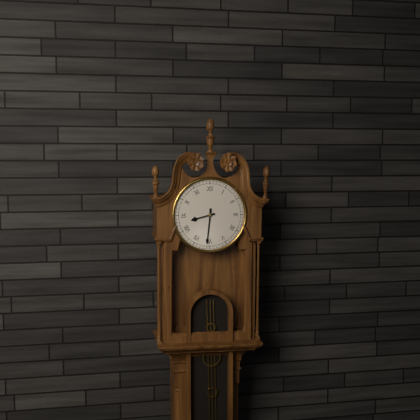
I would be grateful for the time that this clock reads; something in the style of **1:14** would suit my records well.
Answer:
**8:31**
